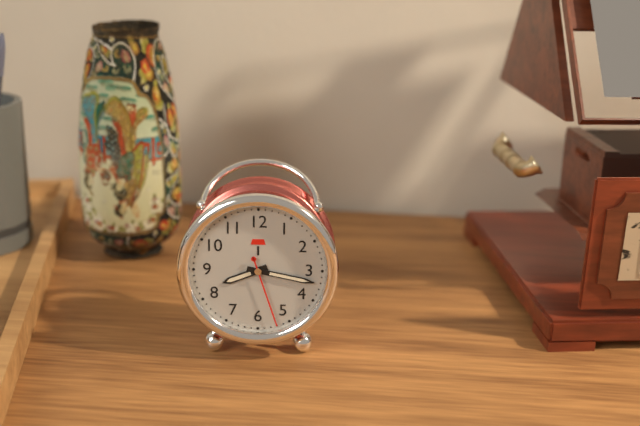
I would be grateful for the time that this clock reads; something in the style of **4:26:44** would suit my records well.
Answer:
**8:17:27**
